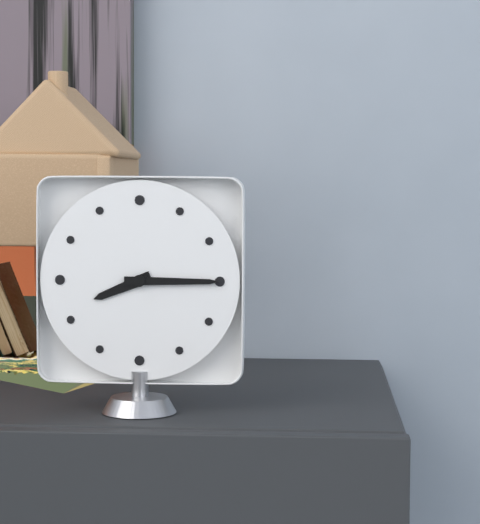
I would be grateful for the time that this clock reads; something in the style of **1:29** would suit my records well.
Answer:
**8:15**
